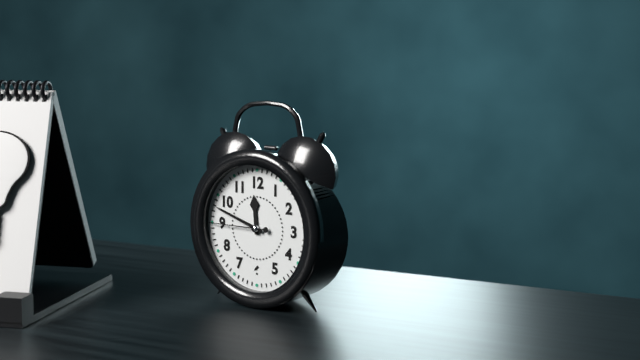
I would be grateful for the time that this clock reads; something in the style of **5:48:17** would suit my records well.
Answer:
**11:48:45**
